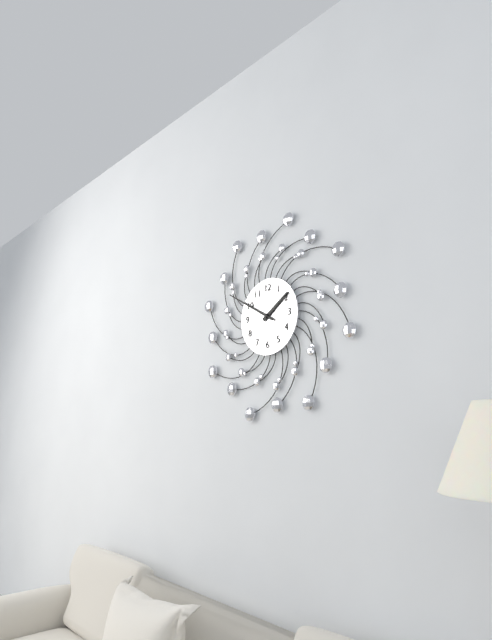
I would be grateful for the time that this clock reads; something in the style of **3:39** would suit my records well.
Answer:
**1:50**
